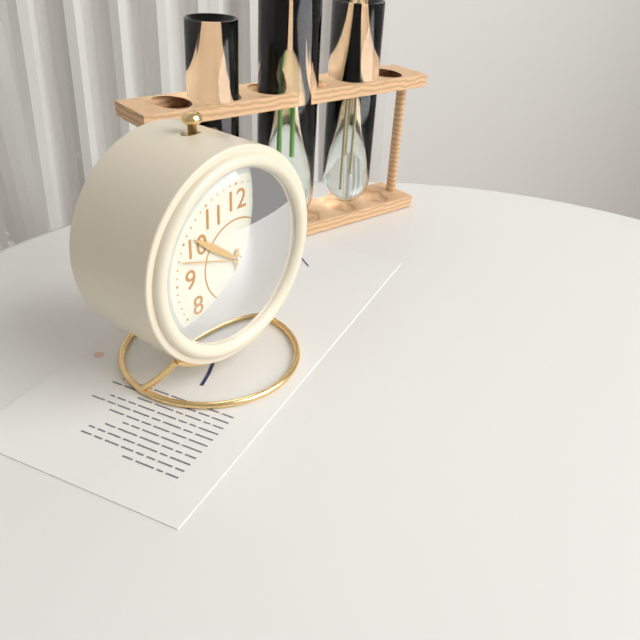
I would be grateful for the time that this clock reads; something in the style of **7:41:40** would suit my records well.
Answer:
**5:51:48**
